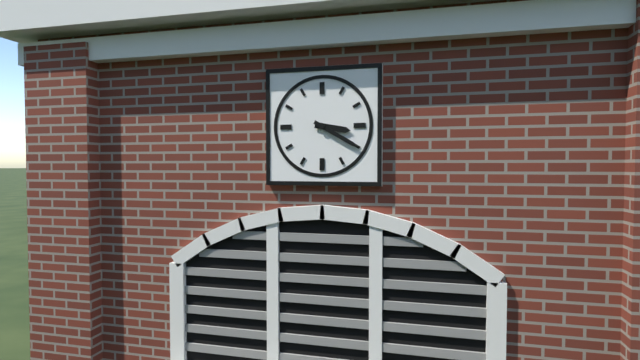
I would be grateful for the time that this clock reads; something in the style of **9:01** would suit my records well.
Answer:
**3:20**
